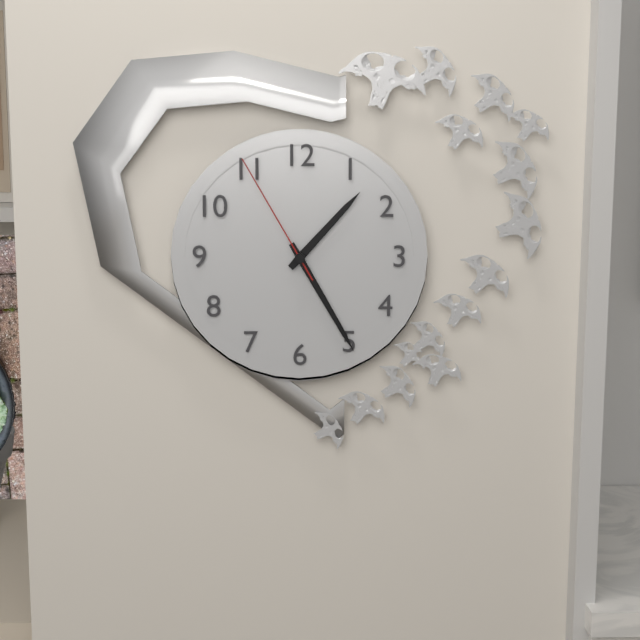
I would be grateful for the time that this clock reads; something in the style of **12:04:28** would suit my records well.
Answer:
**1:25:55**
